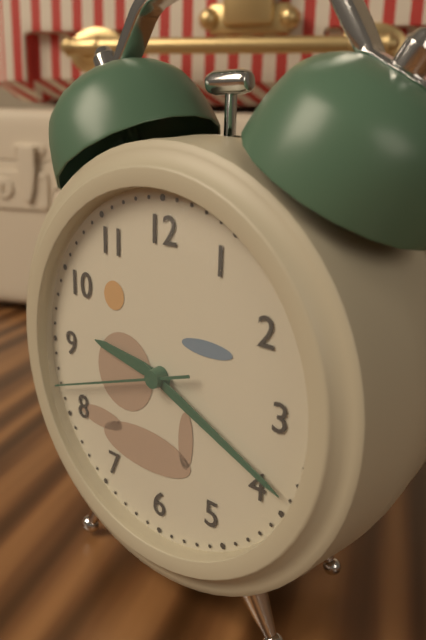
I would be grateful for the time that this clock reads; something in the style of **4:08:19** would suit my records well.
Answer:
**9:19:42**
